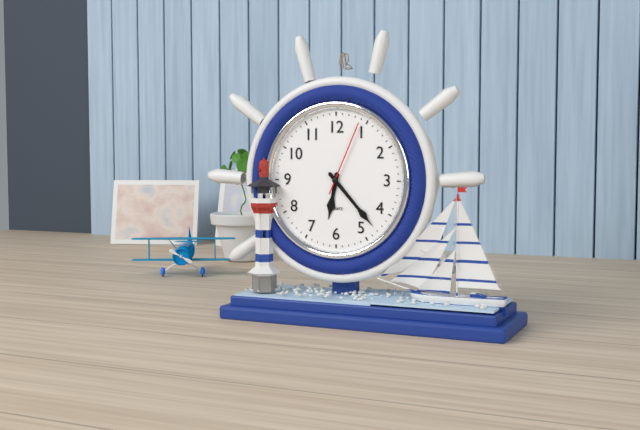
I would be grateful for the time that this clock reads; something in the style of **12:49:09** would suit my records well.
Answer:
**6:23:04**
